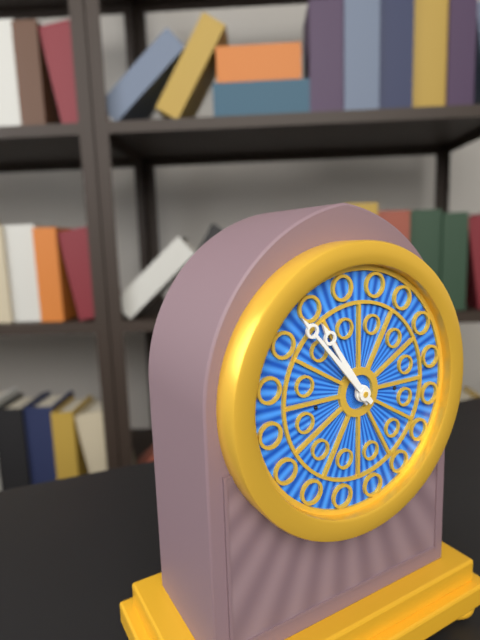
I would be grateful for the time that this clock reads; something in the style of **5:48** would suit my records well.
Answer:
**10:53**
